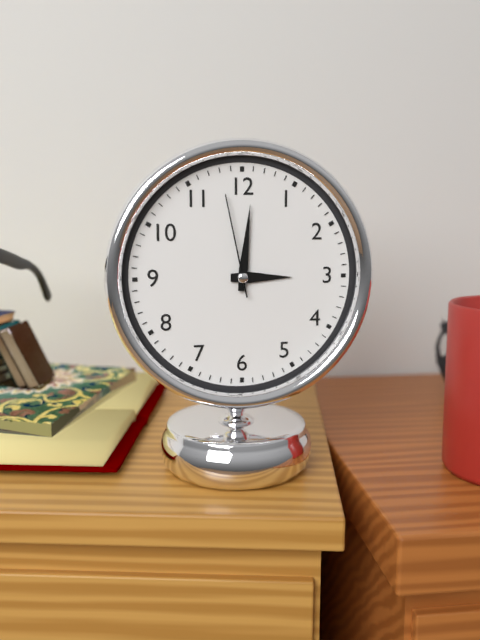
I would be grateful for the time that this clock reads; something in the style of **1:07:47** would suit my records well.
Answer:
**3:01:58**
